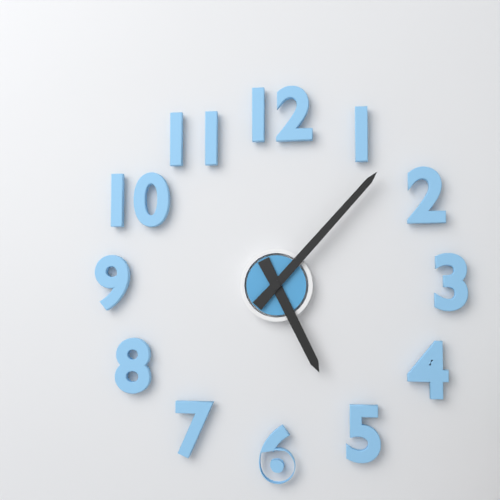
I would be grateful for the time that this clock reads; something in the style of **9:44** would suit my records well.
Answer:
**5:07**
